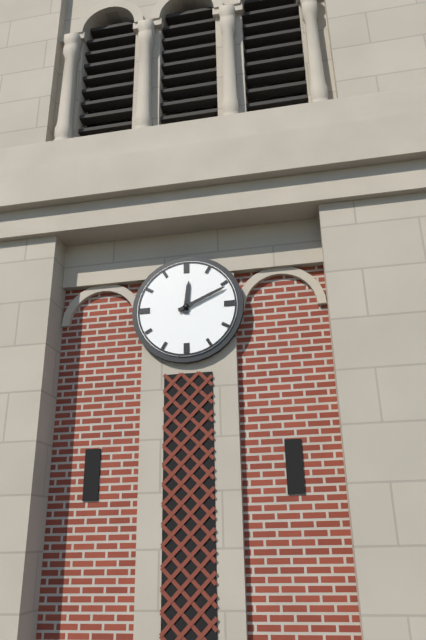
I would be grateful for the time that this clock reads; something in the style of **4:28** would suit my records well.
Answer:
**12:11**
